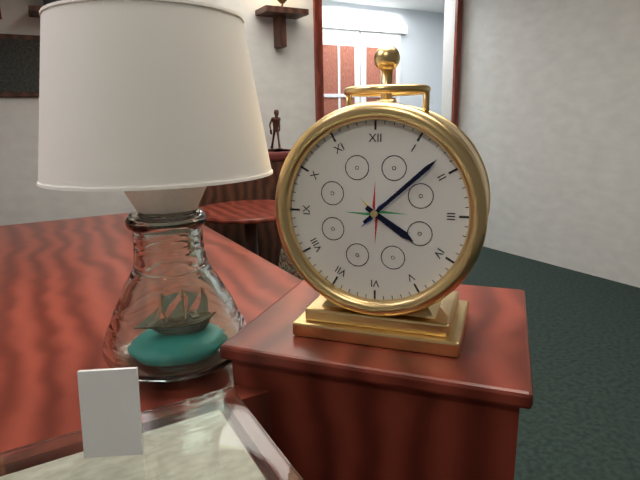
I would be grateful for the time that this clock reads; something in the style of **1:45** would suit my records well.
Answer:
**4:08**
